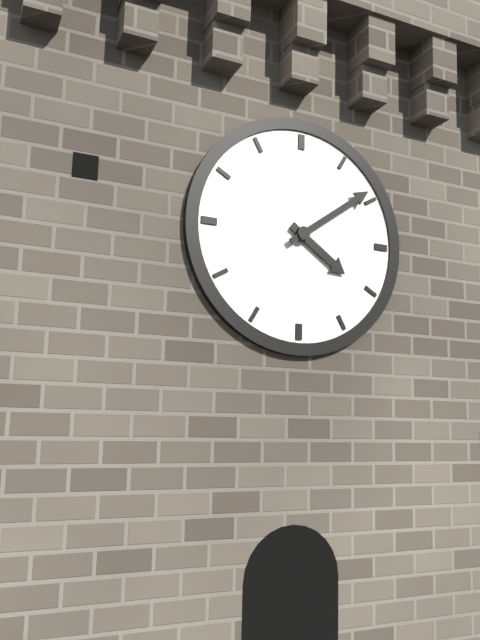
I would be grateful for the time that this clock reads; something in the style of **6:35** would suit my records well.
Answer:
**4:09**
